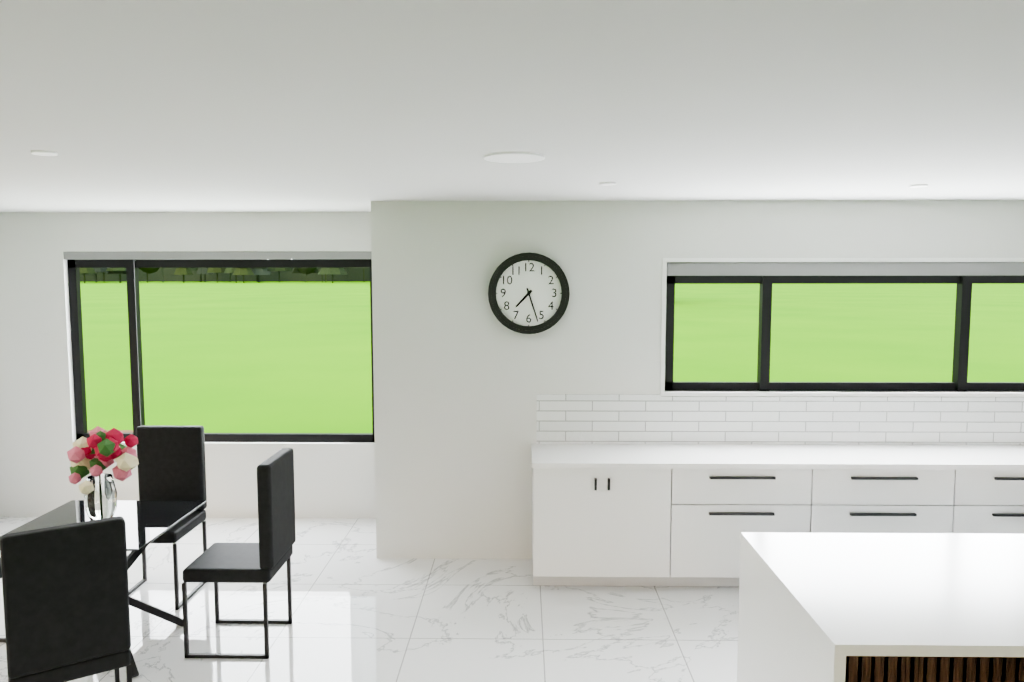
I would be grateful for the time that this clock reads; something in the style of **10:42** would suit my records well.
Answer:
**7:27**
